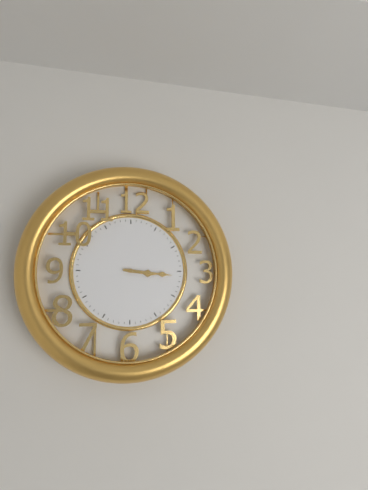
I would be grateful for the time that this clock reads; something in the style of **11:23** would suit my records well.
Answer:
**3:16**
